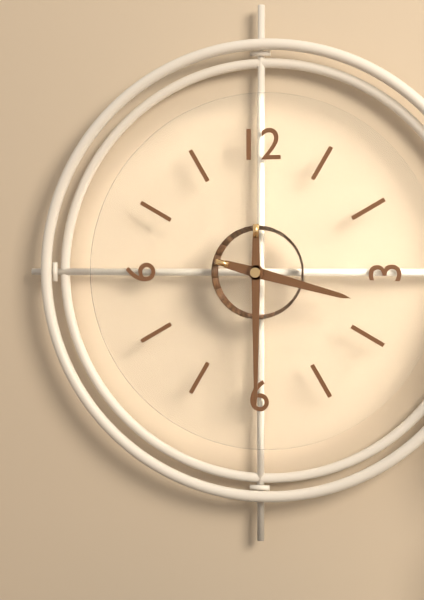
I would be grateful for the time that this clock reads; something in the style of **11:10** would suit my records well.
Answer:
**3:30**
